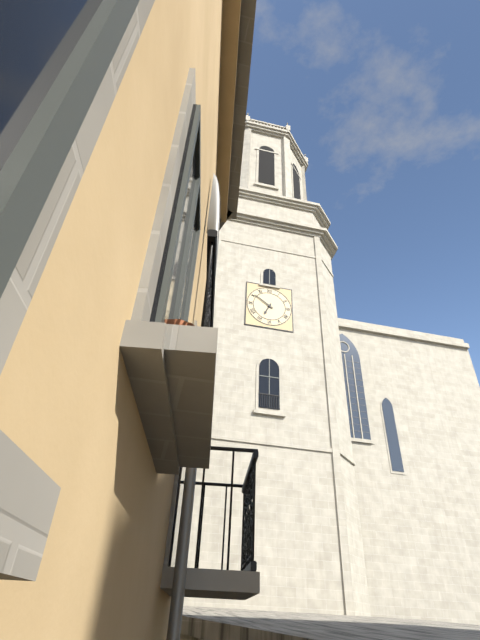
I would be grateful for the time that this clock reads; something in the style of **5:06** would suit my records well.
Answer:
**6:51**
